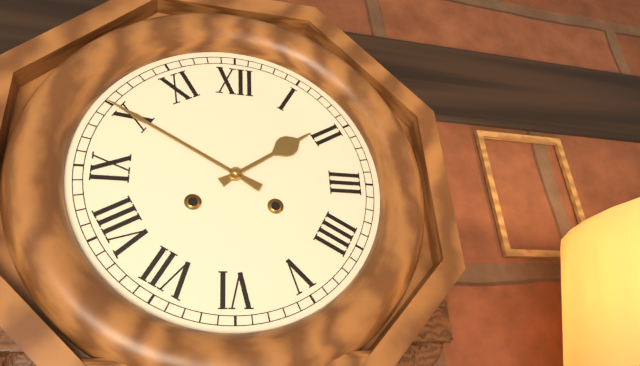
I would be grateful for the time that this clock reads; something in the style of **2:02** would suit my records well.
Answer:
**1:50**
